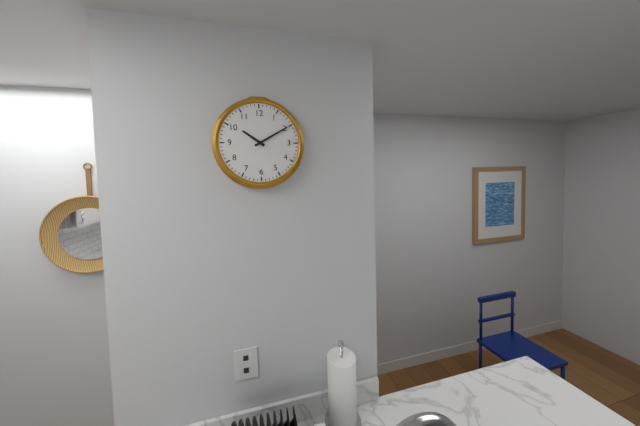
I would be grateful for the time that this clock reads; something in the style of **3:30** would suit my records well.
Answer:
**10:10**
